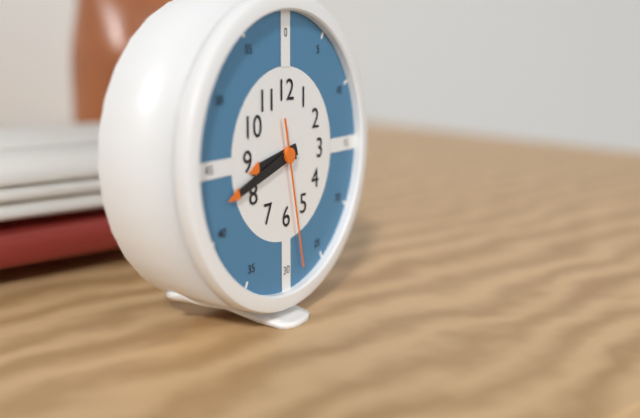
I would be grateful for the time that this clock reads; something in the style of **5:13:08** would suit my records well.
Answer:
**8:42:28**
